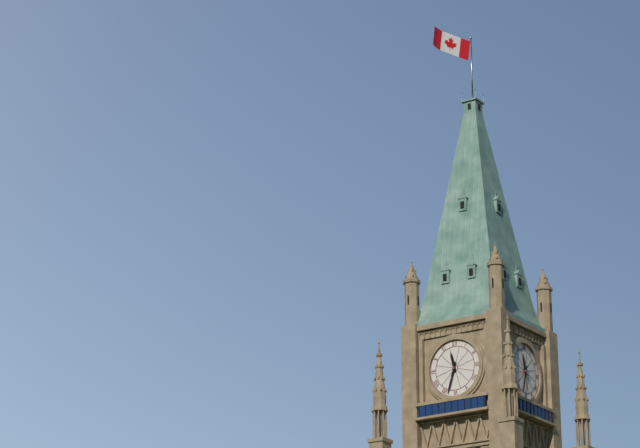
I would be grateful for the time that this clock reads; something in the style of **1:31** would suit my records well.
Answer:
**11:33**
